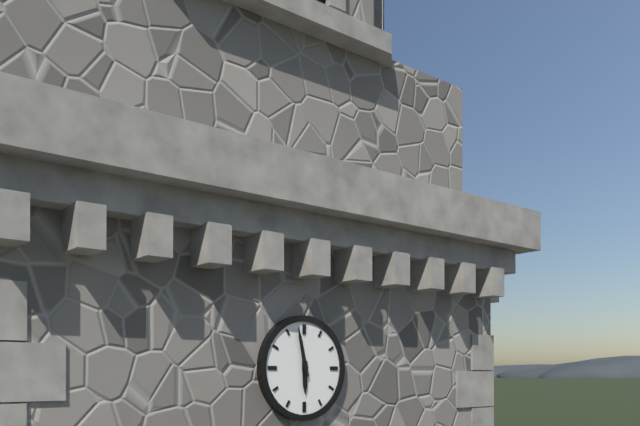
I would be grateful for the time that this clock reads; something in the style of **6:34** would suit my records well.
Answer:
**5:58**
